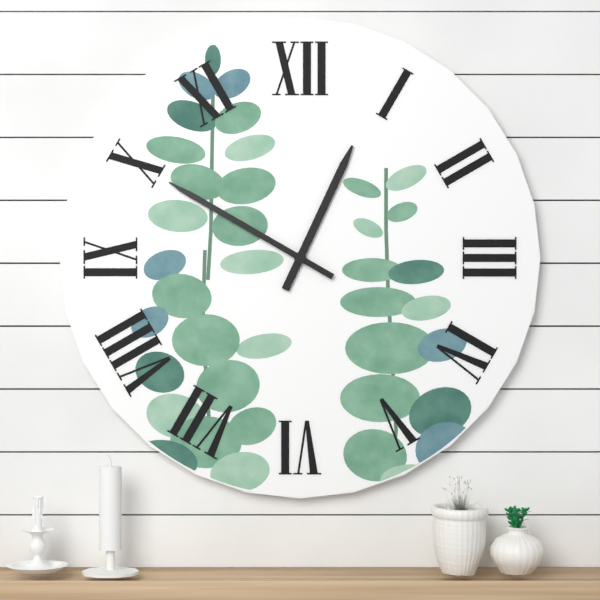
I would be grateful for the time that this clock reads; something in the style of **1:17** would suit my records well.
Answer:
**12:50**
